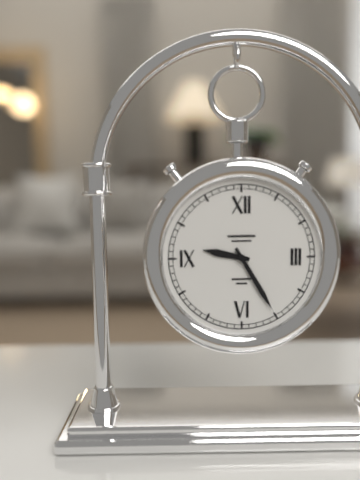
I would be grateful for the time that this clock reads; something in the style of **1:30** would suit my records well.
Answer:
**9:25**
